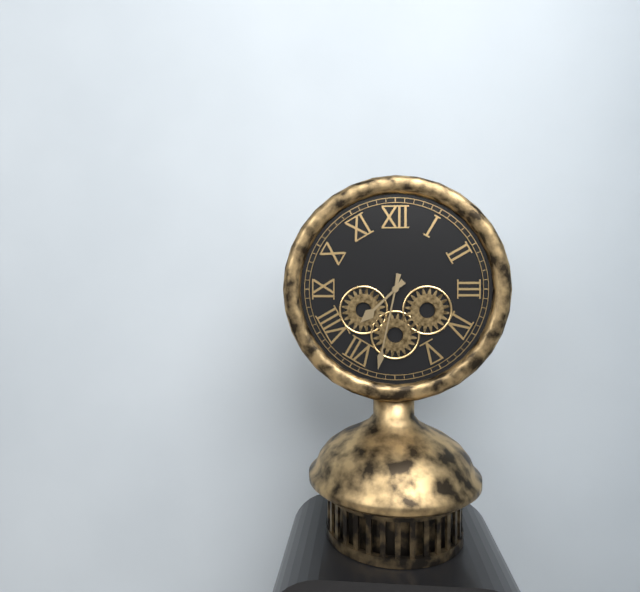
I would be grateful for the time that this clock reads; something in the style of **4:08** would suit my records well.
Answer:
**7:32**
